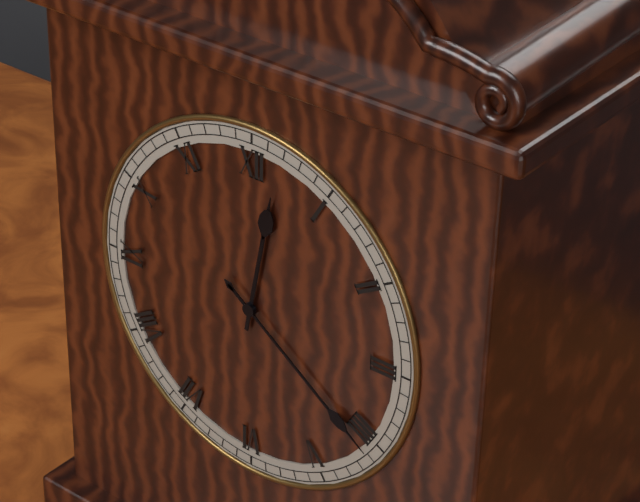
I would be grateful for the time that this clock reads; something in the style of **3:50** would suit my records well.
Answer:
**12:21**
